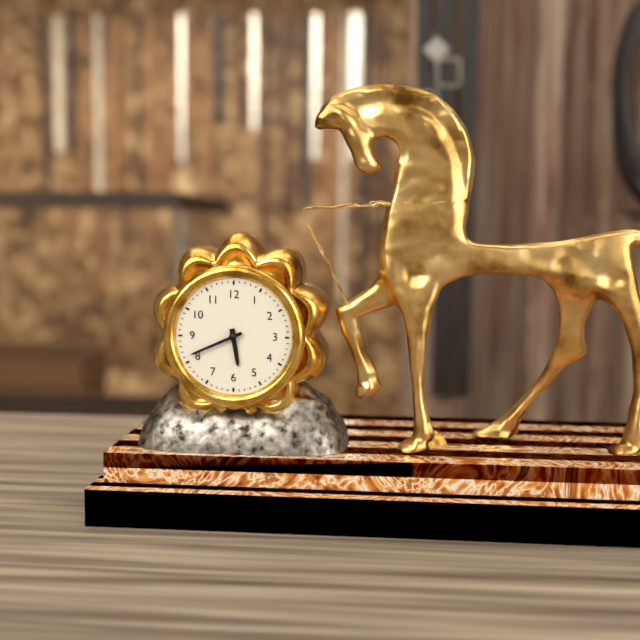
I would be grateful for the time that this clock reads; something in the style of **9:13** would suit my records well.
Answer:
**5:41**
